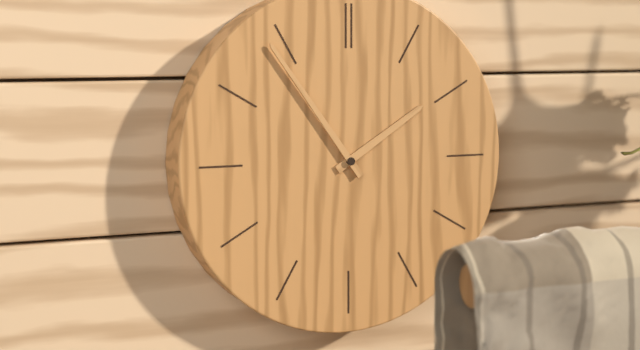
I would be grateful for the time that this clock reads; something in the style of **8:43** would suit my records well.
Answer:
**1:54**
